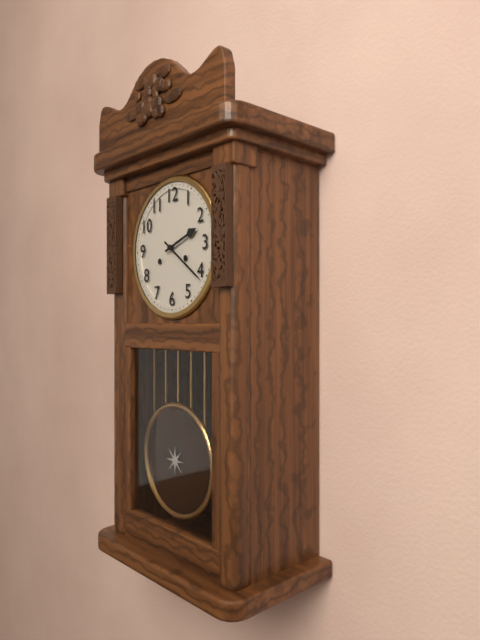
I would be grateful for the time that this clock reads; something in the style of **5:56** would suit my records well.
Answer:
**2:21**
